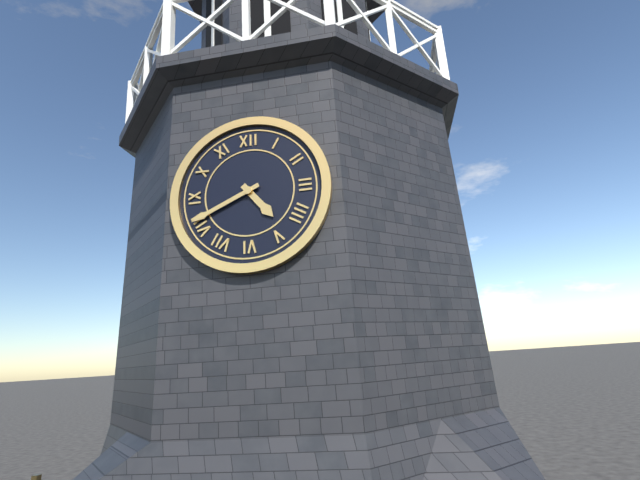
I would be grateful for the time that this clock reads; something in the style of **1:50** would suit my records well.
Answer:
**4:41**
